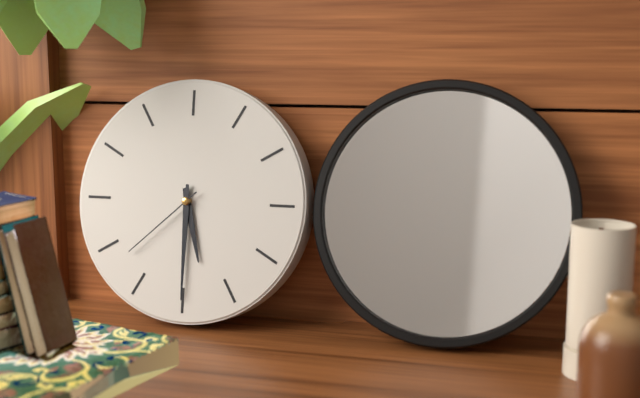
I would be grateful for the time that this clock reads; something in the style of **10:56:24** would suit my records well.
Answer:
**5:30:38**
